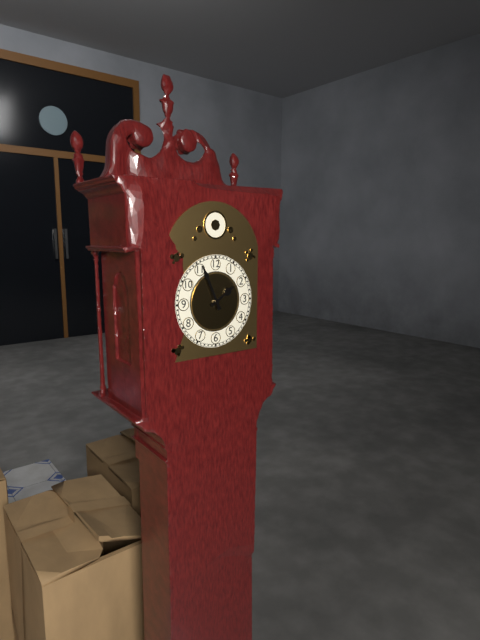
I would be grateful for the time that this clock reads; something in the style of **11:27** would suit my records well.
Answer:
**1:56**
